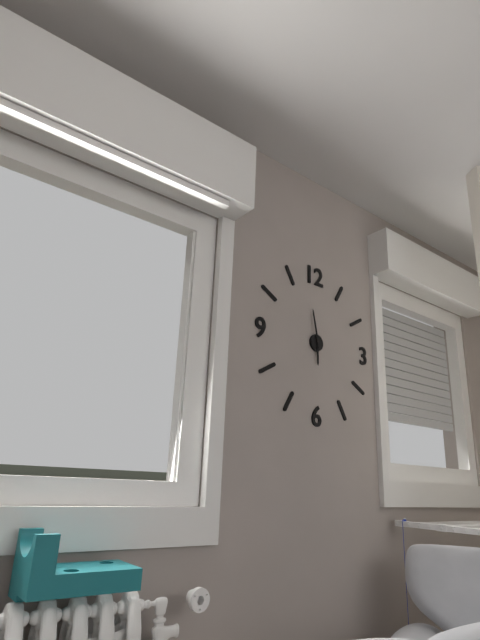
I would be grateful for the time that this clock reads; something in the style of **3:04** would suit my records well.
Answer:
**5:58**
